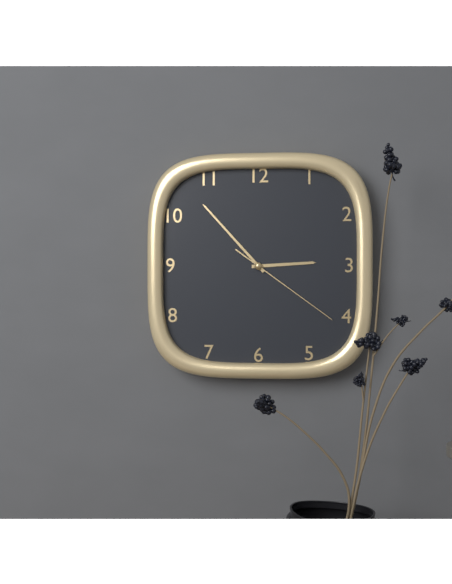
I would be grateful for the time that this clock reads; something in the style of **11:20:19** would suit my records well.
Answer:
**2:53:21**
